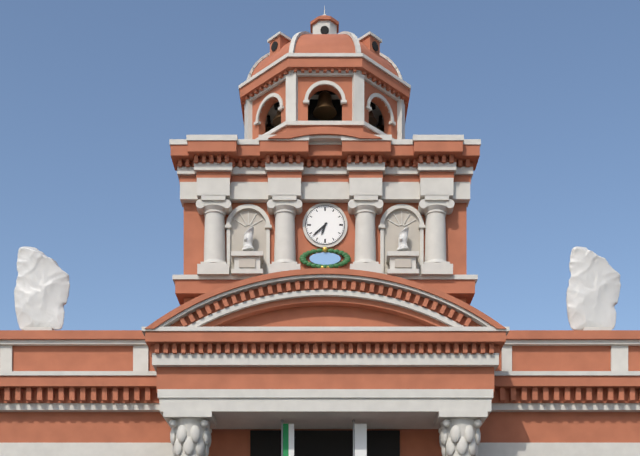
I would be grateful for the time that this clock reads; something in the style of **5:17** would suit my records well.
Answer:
**6:38**
